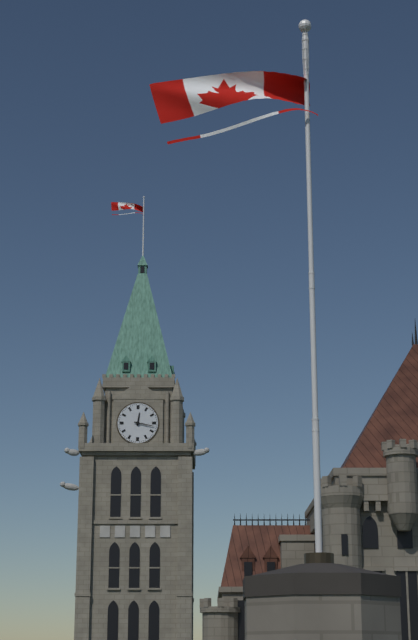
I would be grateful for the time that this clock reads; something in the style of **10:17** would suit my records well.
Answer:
**12:17**
